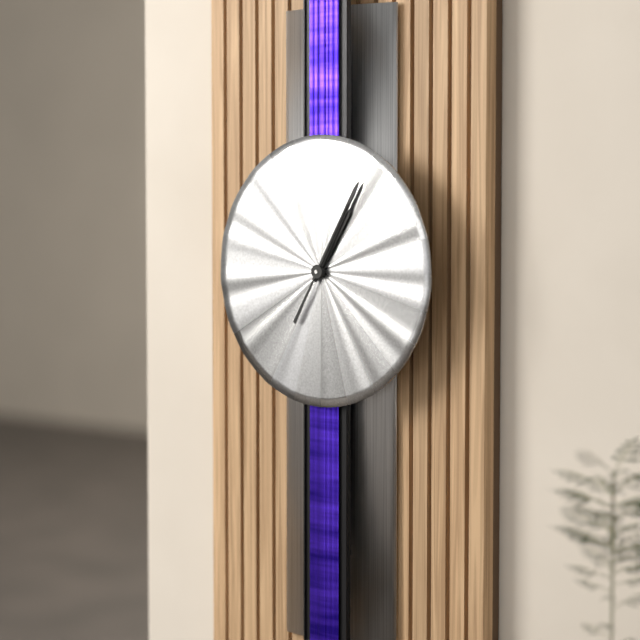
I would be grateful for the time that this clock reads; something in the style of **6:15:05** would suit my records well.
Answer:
**1:05:05**
